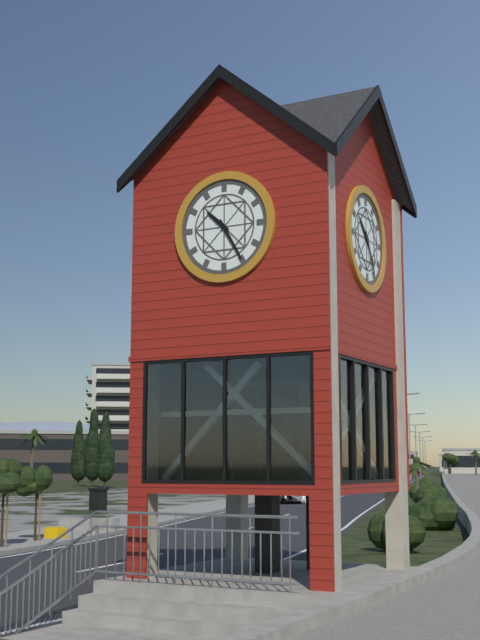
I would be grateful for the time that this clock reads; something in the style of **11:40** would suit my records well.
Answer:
**10:25**
